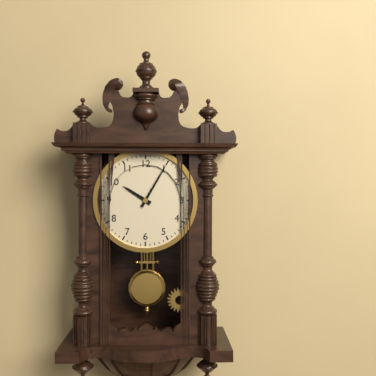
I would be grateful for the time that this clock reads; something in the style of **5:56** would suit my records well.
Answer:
**10:05**
